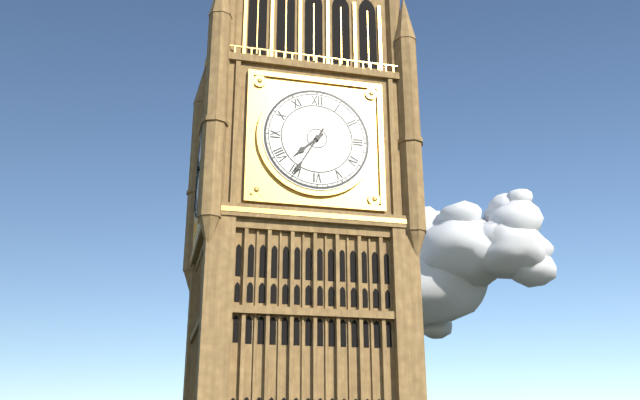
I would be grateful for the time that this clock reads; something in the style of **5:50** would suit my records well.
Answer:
**7:35**
